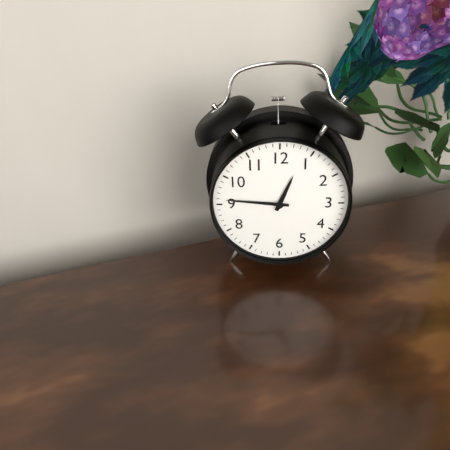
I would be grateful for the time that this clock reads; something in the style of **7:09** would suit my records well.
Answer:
**12:46**
